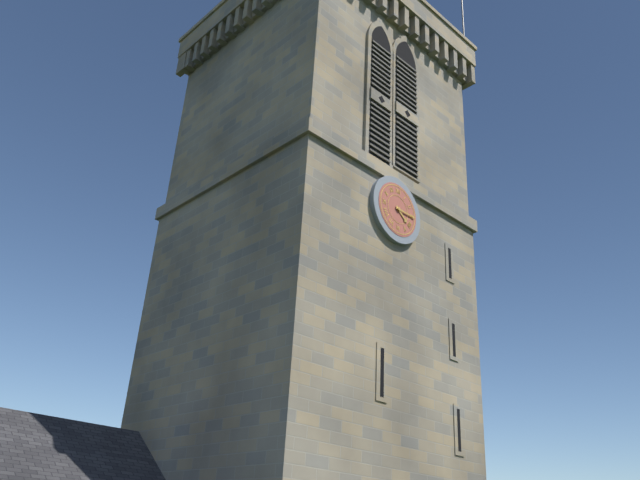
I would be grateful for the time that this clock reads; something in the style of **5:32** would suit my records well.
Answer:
**4:15**
